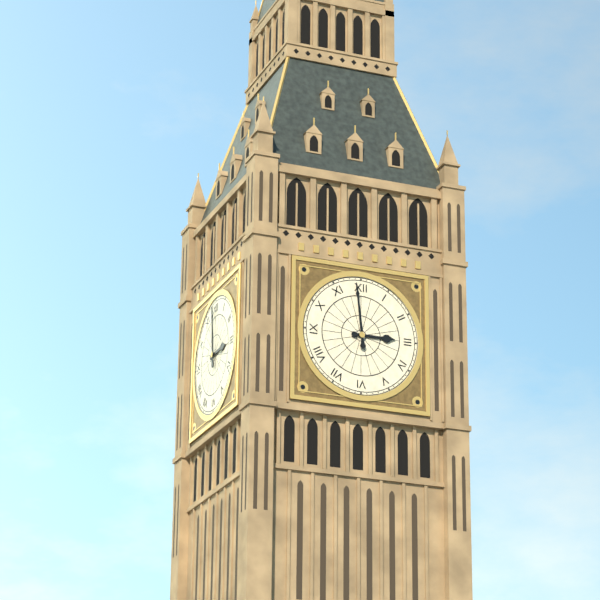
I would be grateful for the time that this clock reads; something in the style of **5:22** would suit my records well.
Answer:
**2:59**
